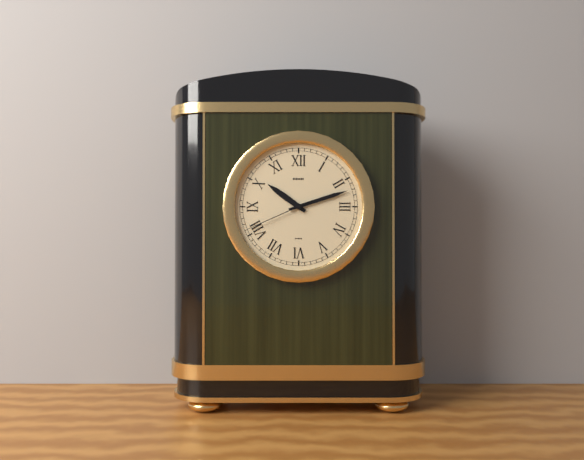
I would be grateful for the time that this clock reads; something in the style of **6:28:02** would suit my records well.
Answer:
**10:12:41**
